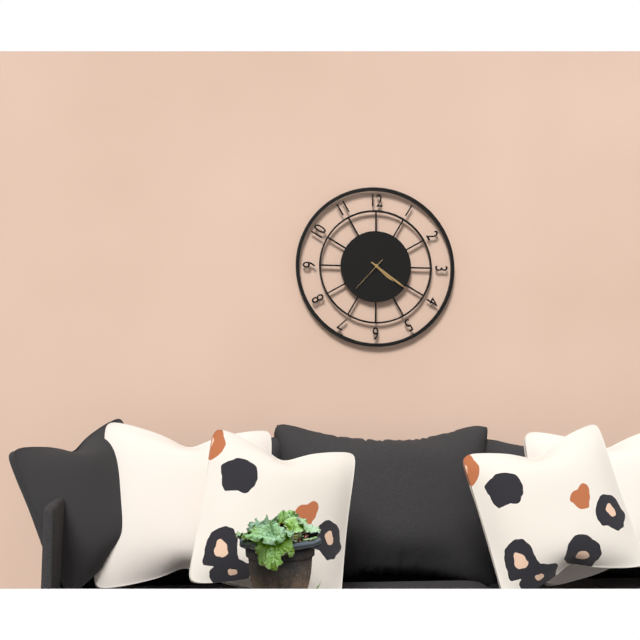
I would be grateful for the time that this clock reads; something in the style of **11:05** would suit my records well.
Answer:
**4:21**
